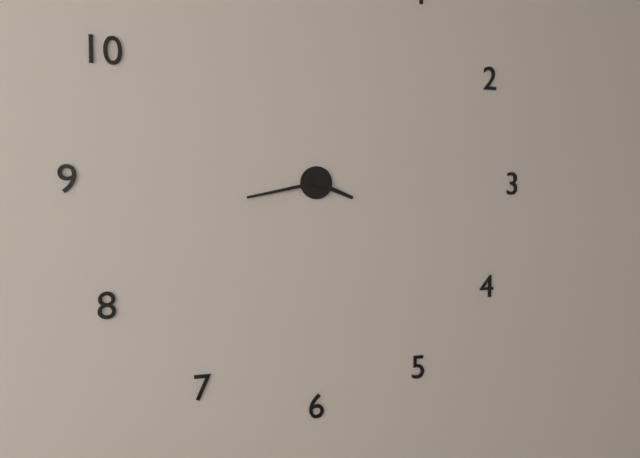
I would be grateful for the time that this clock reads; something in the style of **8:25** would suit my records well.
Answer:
**3:43**
